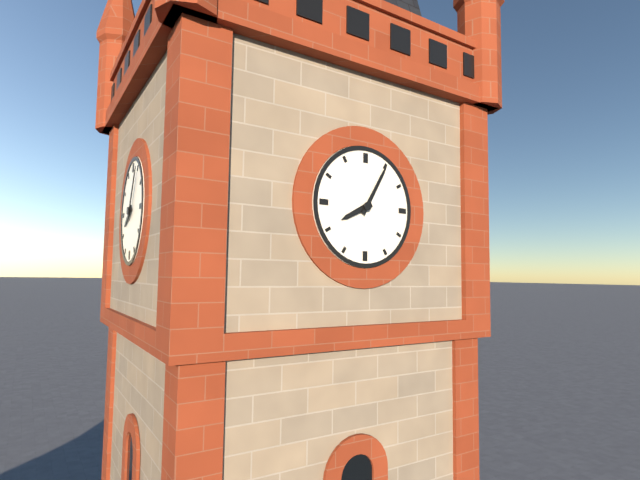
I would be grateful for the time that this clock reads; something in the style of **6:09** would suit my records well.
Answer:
**8:05**
